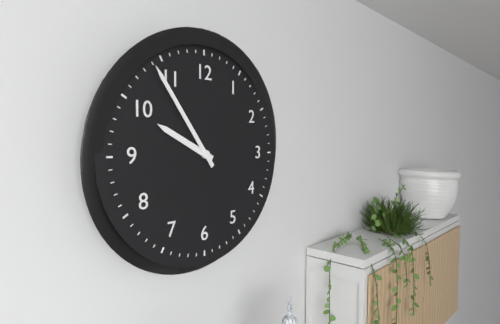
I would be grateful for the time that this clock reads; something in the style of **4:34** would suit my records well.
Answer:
**9:54**
